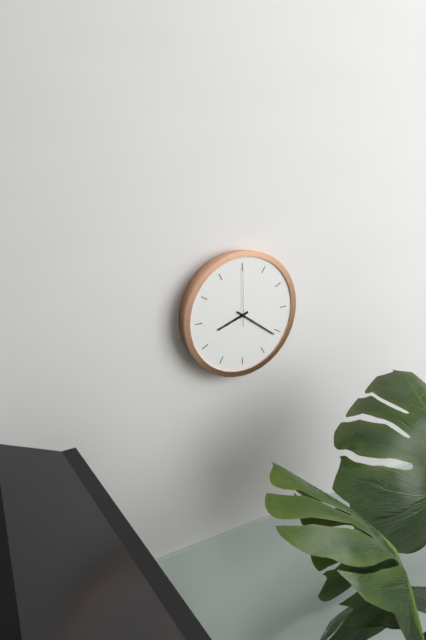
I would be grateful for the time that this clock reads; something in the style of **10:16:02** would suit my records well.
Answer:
**8:21:00**
